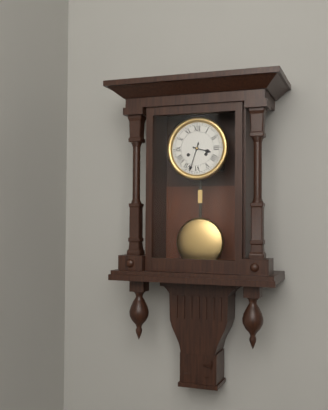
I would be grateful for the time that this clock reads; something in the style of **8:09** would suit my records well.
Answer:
**3:33**
